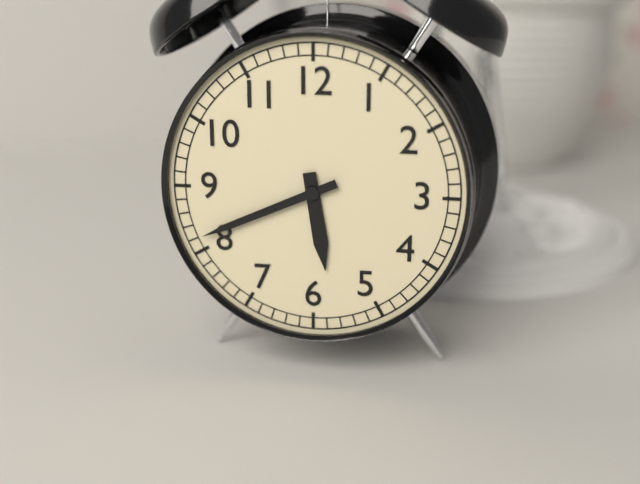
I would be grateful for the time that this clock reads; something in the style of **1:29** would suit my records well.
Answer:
**5:41**
